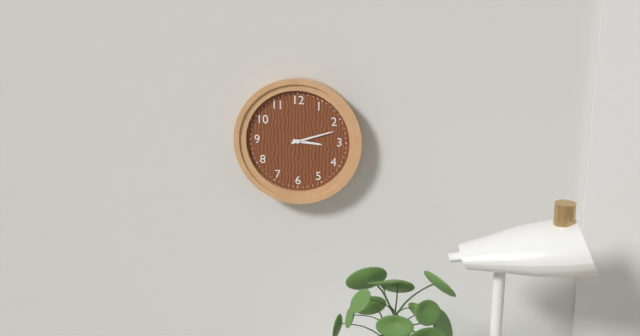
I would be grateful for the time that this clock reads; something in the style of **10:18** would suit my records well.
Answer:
**3:12**
